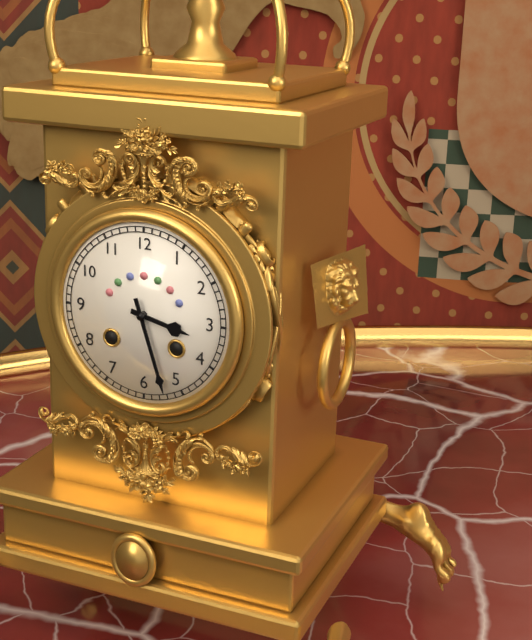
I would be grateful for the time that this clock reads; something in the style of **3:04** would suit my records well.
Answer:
**3:27**
